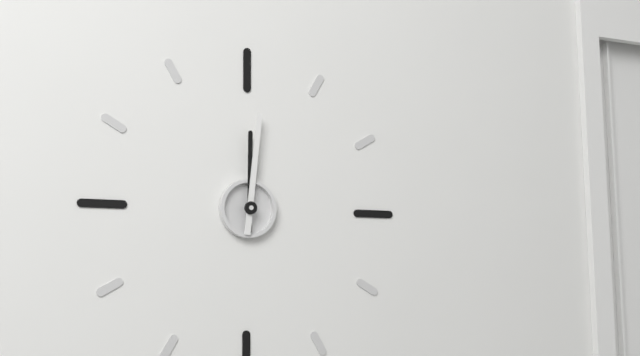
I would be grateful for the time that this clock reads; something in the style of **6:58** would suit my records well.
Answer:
**12:01**
